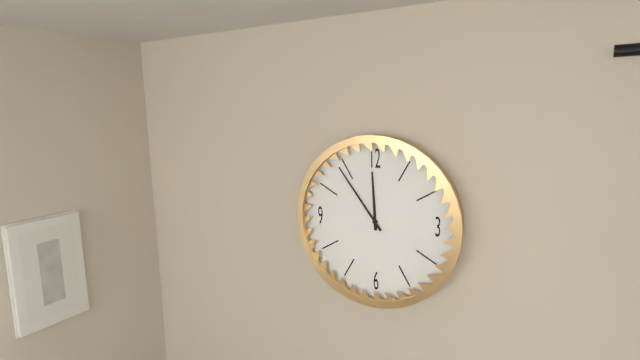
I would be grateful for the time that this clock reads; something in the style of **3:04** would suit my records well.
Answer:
**11:54**
